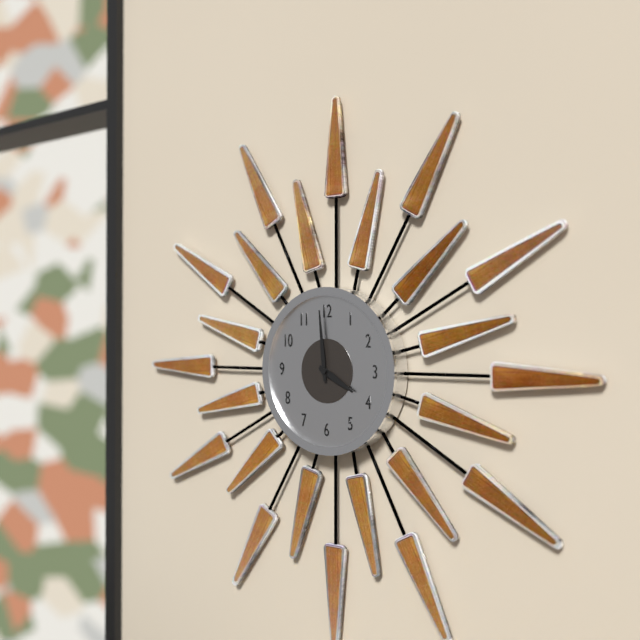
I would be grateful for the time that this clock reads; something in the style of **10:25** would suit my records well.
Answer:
**3:59**
